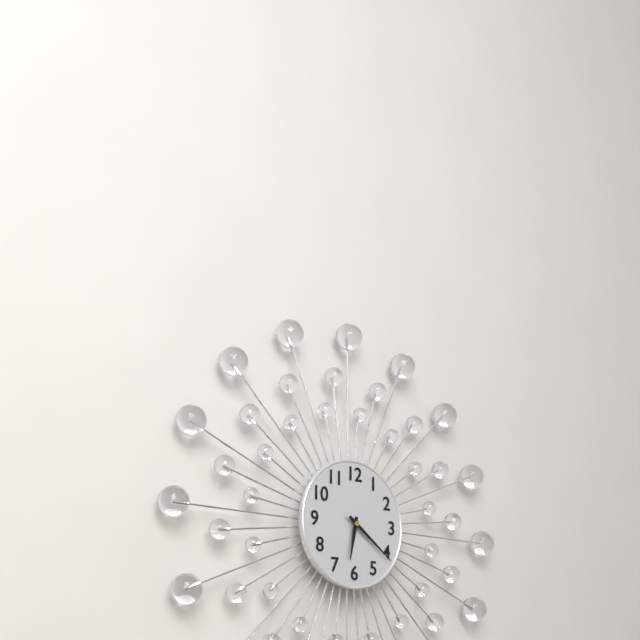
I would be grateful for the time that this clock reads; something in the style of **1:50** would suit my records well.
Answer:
**6:21**
